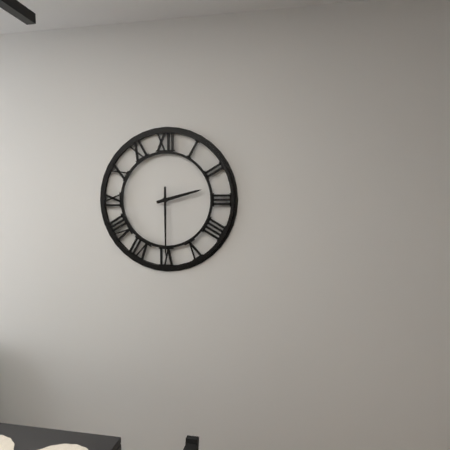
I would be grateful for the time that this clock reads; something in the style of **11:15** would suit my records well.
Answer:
**2:30**
